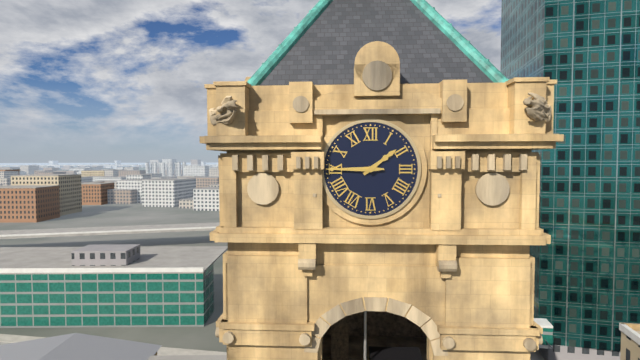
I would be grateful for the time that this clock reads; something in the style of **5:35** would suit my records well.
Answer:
**1:45**
